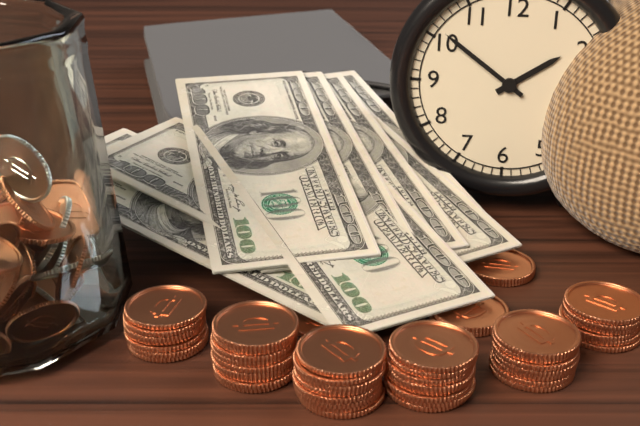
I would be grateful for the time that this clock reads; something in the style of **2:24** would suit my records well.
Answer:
**1:51**
